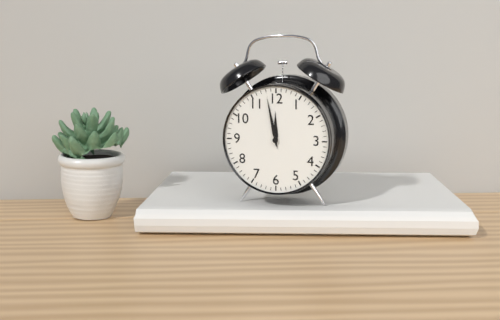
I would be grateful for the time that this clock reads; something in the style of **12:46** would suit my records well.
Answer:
**11:58**
